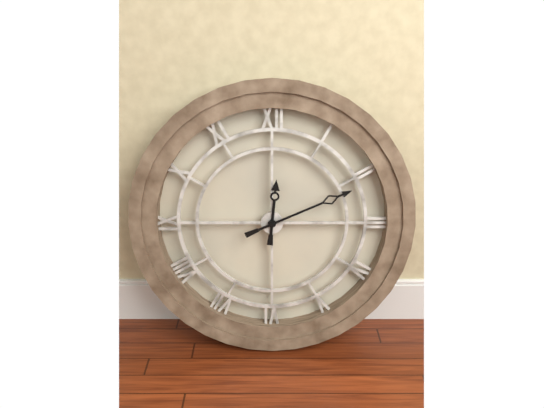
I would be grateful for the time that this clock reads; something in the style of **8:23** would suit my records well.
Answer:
**12:11**
